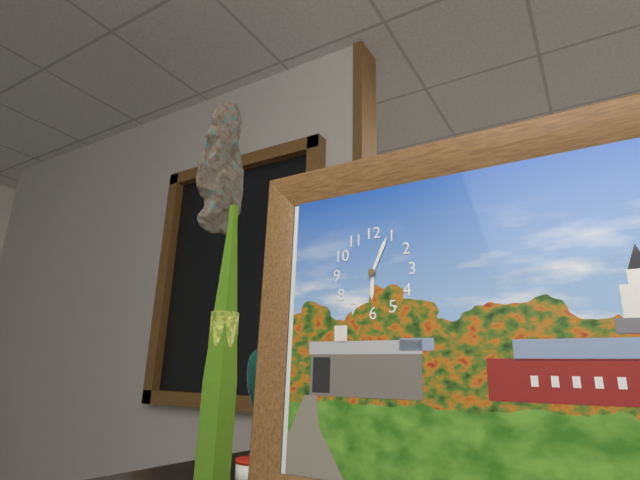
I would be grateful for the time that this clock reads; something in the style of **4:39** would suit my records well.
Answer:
**6:04**
